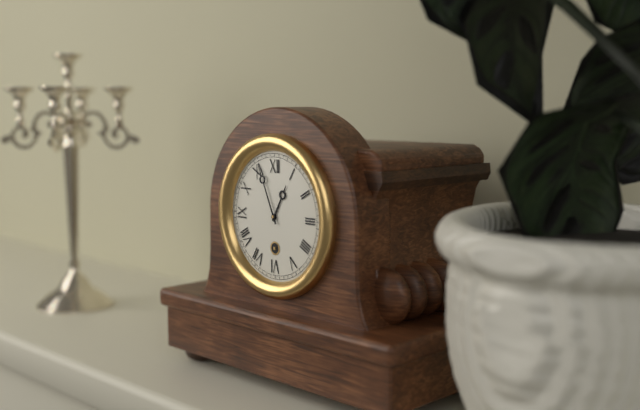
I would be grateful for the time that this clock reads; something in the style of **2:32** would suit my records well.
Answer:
**12:56**
